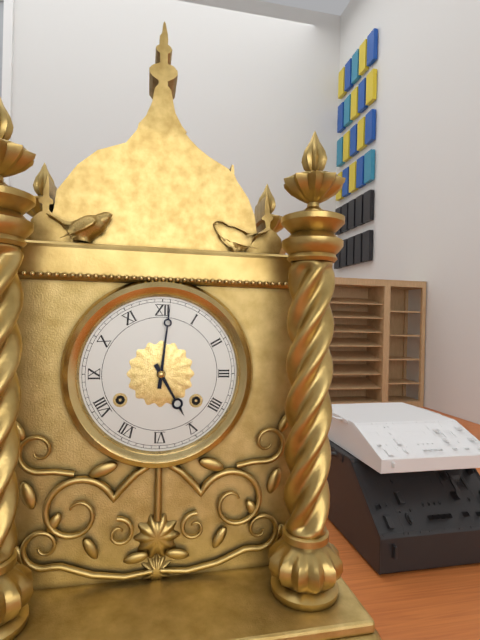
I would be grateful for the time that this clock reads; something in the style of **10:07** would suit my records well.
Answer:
**5:01**
